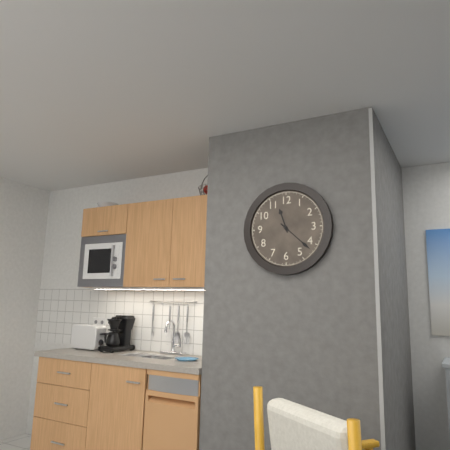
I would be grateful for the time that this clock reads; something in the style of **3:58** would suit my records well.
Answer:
**11:22**
